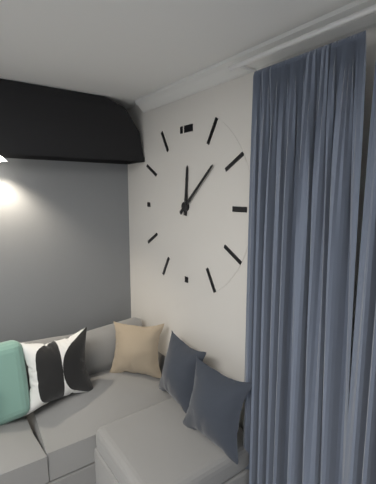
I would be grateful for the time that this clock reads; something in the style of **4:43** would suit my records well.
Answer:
**12:08**
